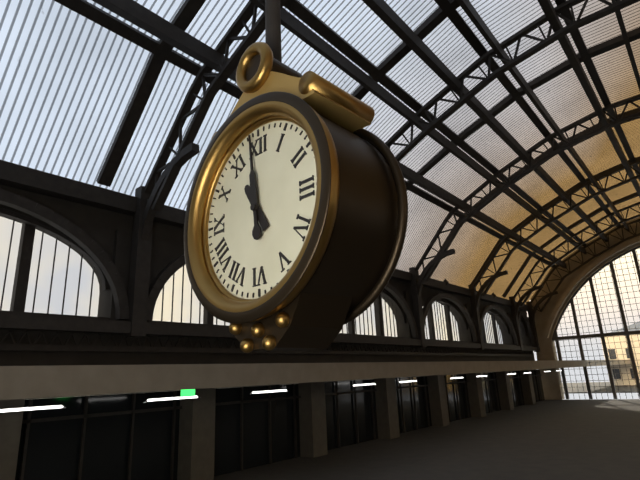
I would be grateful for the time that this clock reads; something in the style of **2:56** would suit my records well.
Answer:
**10:59**
